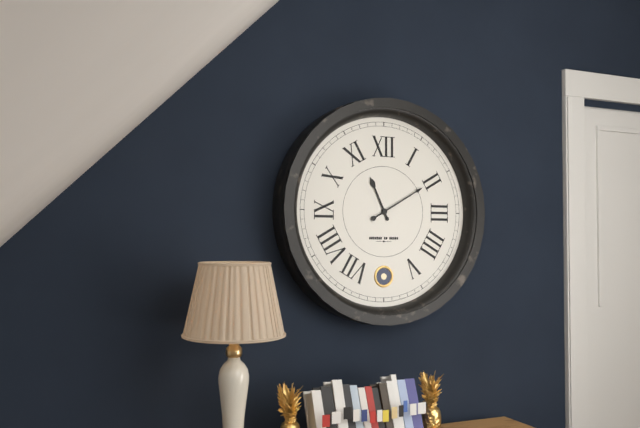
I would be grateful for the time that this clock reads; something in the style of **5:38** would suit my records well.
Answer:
**11:10**
